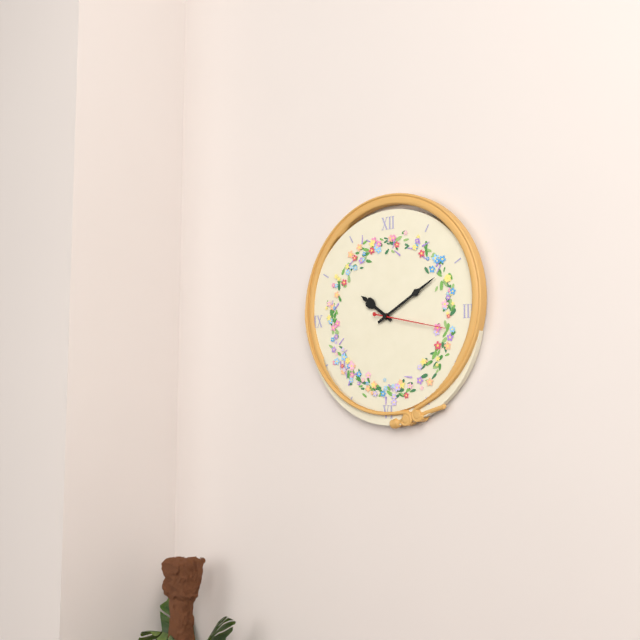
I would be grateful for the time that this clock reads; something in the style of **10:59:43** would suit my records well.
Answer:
**10:10:17**
